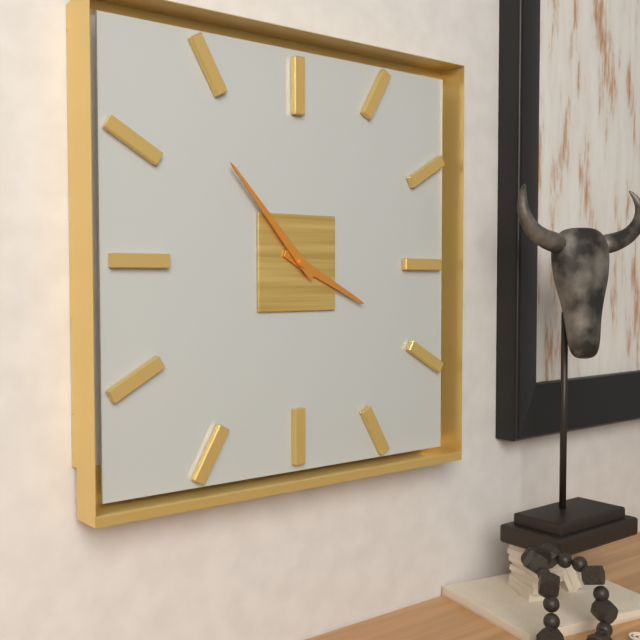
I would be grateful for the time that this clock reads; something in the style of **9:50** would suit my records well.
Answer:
**3:53**
